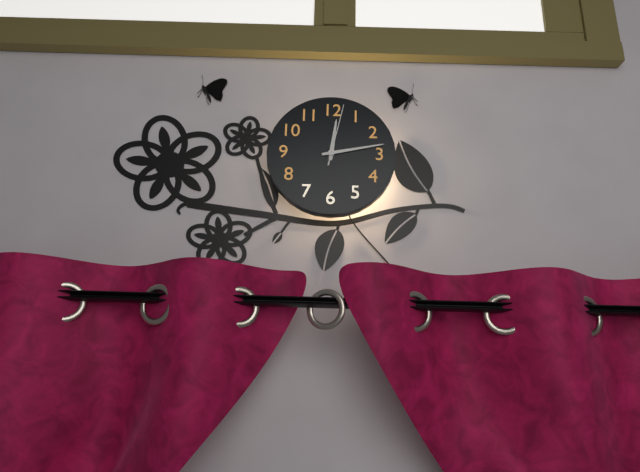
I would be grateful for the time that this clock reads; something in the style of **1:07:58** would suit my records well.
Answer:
**12:13:02**
